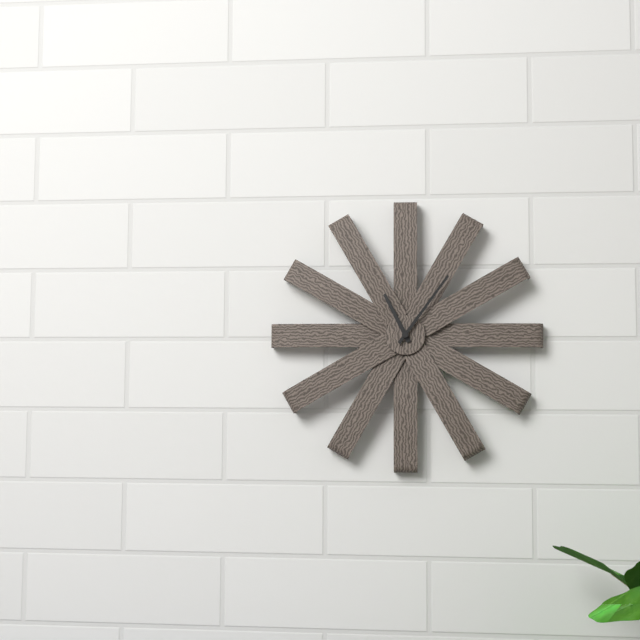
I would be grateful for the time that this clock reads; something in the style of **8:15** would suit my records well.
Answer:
**11:06**
